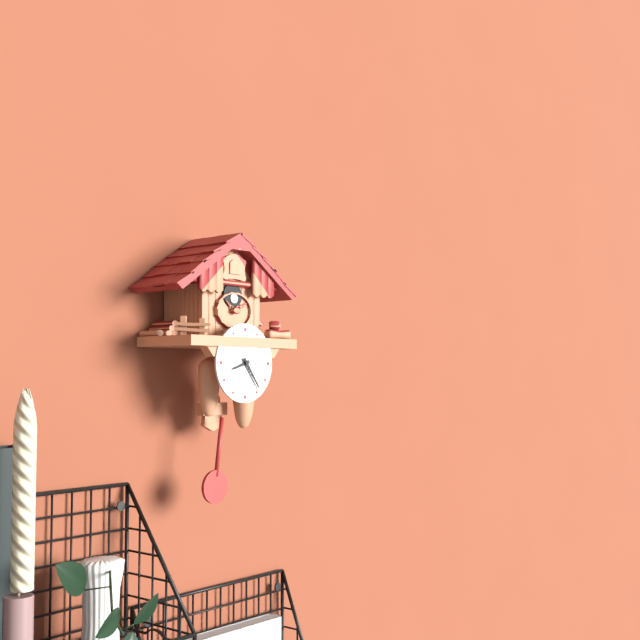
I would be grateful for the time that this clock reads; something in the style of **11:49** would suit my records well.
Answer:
**8:24**
